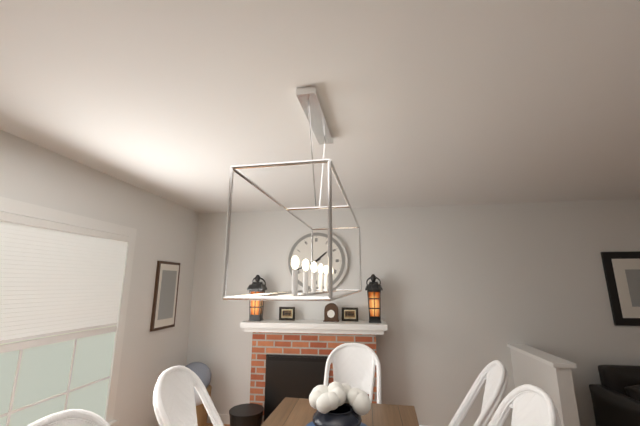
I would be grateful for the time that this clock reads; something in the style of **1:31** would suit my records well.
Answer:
**1:41**
